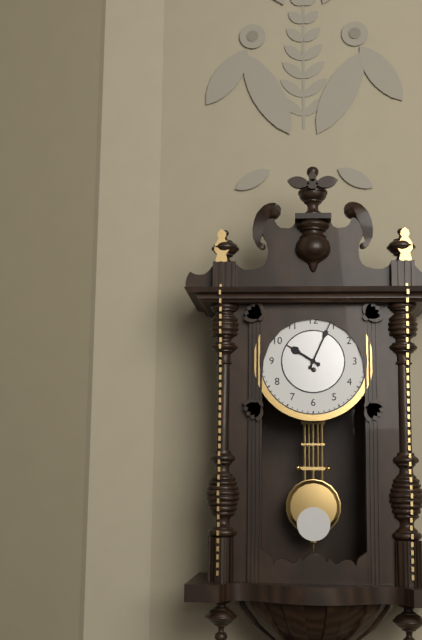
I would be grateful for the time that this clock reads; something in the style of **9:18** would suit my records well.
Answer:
**10:04**
